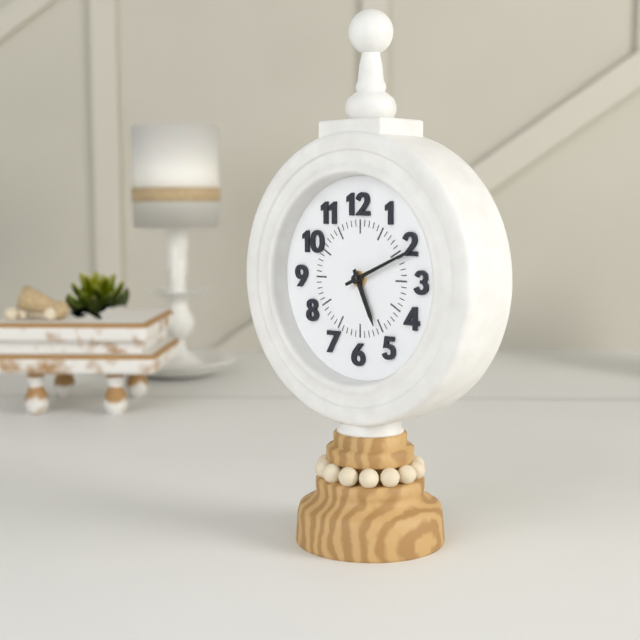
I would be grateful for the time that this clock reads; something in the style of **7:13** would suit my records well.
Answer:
**5:11**
